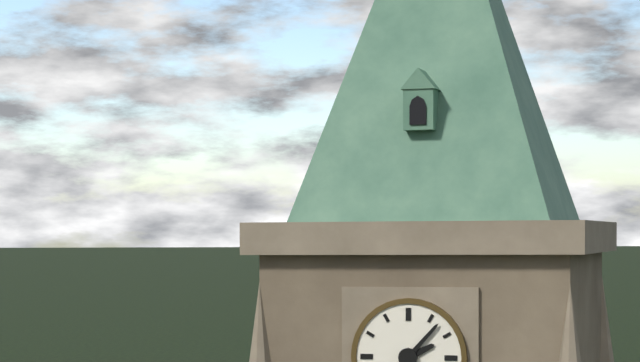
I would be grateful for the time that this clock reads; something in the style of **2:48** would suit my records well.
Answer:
**2:07**
